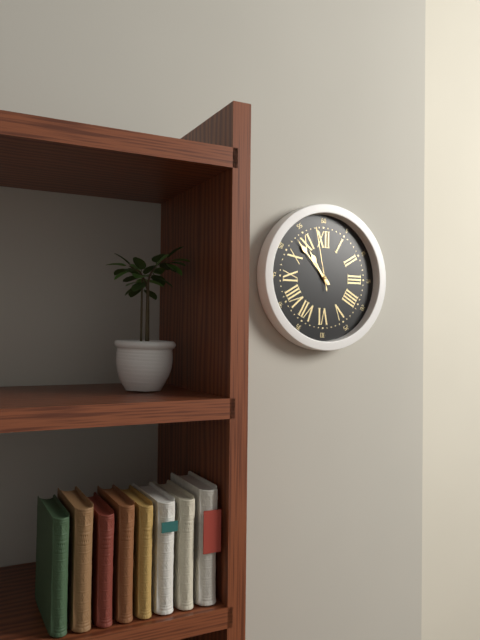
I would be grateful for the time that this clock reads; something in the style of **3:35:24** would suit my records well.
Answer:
**10:53:58**
